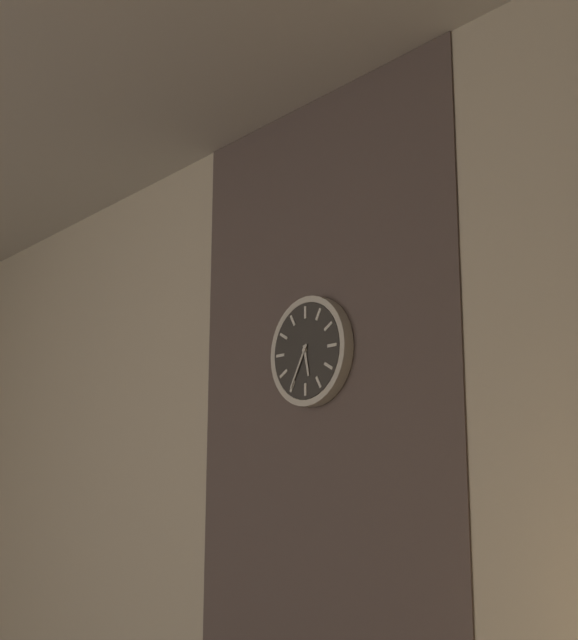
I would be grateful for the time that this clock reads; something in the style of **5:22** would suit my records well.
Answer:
**5:35**
